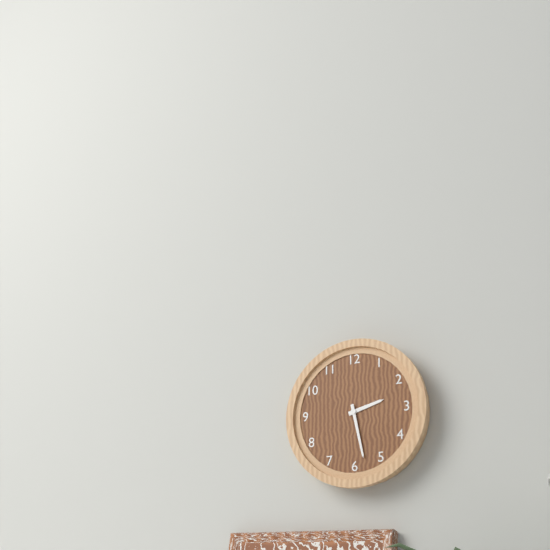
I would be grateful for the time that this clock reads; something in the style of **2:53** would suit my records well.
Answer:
**2:28**
